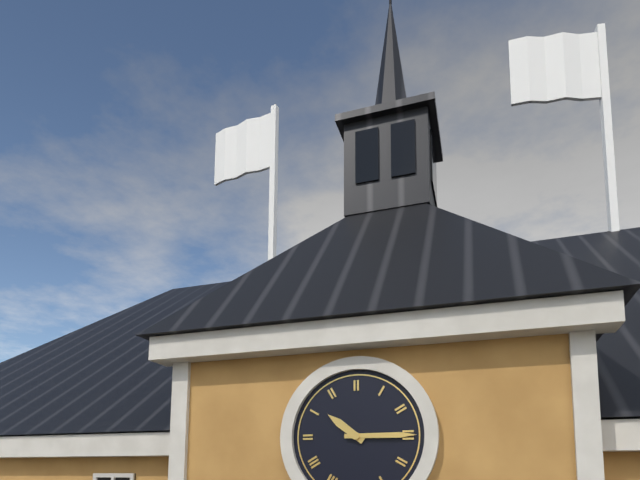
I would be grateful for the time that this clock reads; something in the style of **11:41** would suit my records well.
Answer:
**10:15**
